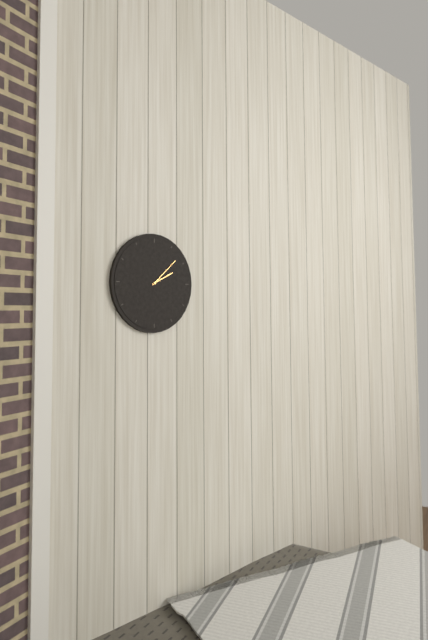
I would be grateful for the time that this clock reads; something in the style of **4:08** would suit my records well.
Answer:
**2:08**
